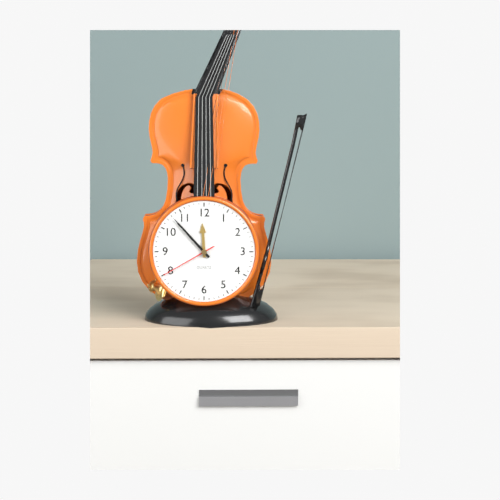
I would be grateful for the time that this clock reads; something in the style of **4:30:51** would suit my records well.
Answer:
**11:53:40**
